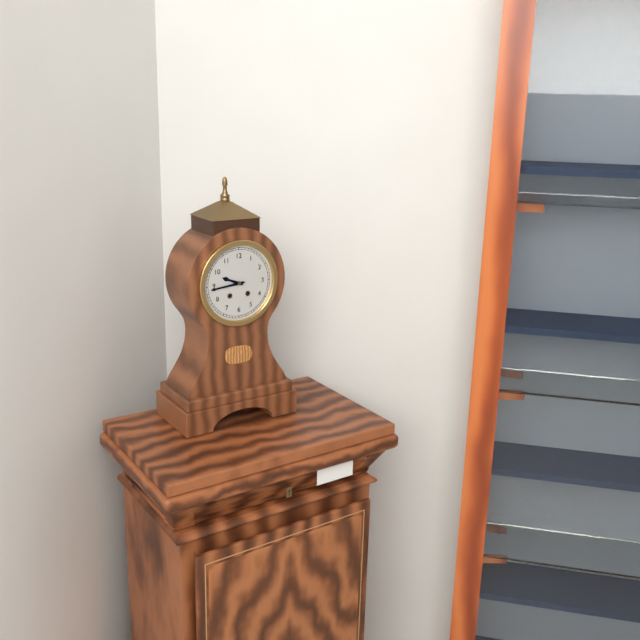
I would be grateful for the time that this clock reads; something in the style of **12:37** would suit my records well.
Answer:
**9:44**
